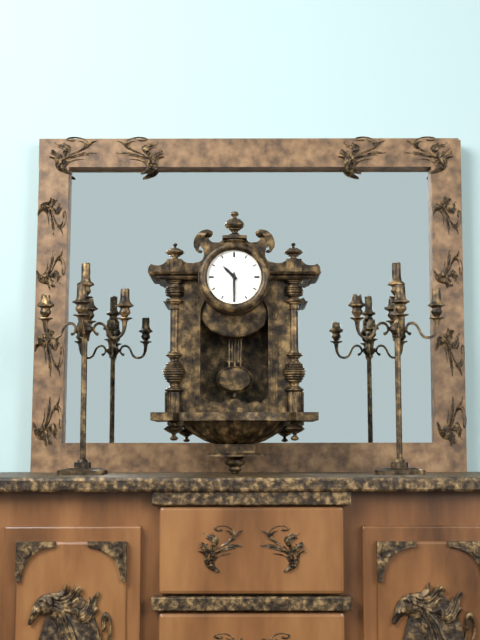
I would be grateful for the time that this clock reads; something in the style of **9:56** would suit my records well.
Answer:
**10:30**
